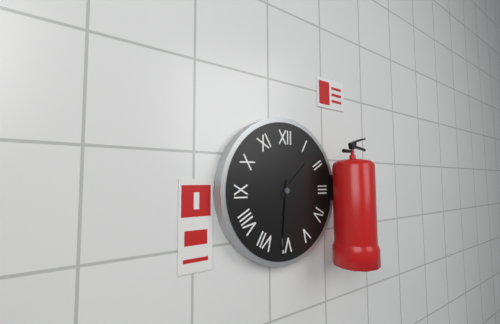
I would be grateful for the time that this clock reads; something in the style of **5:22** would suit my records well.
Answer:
**1:31**
